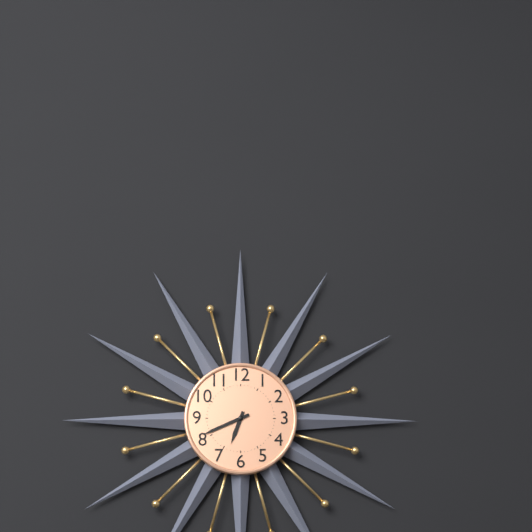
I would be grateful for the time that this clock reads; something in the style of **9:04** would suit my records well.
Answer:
**6:41**
